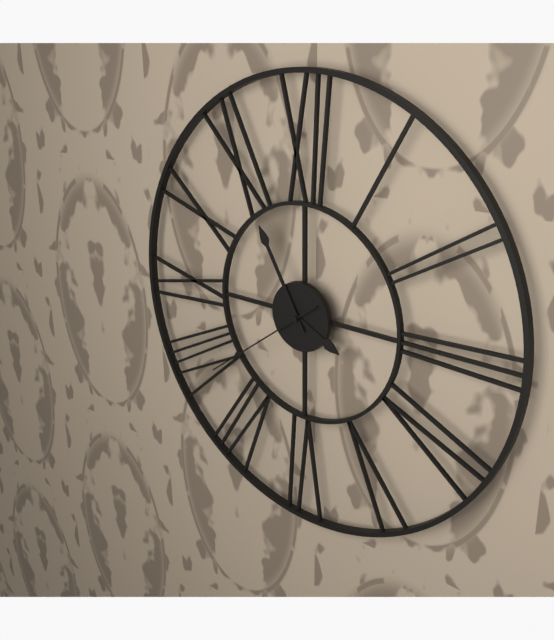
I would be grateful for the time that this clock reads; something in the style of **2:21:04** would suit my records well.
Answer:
**3:55:39**
